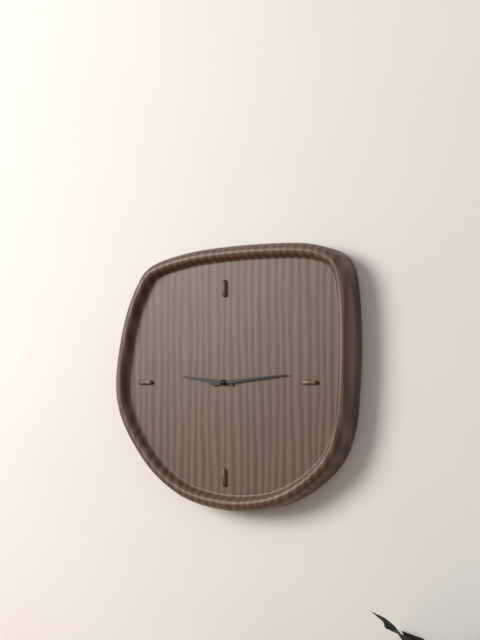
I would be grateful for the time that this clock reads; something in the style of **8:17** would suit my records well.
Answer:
**9:14**
